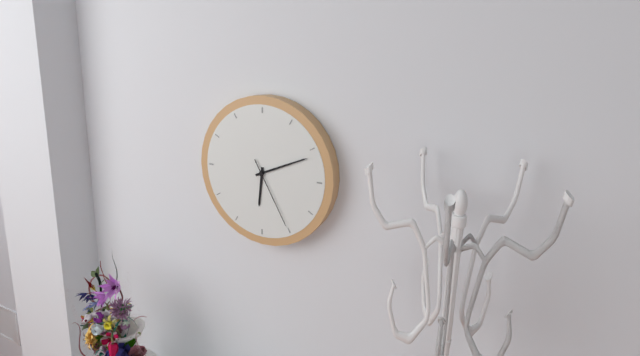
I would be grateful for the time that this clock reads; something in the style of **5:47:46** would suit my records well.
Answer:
**6:11:25**
